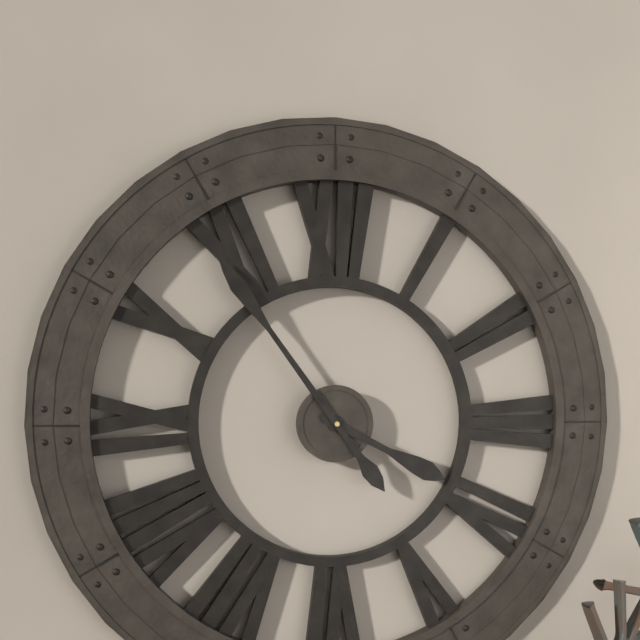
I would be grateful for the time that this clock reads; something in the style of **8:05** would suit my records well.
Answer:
**3:54**
